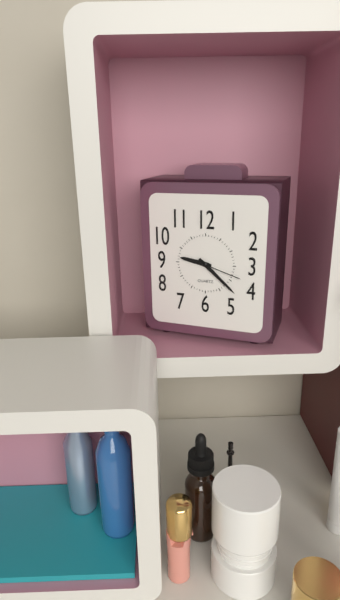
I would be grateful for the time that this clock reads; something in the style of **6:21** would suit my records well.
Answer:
**9:22**
